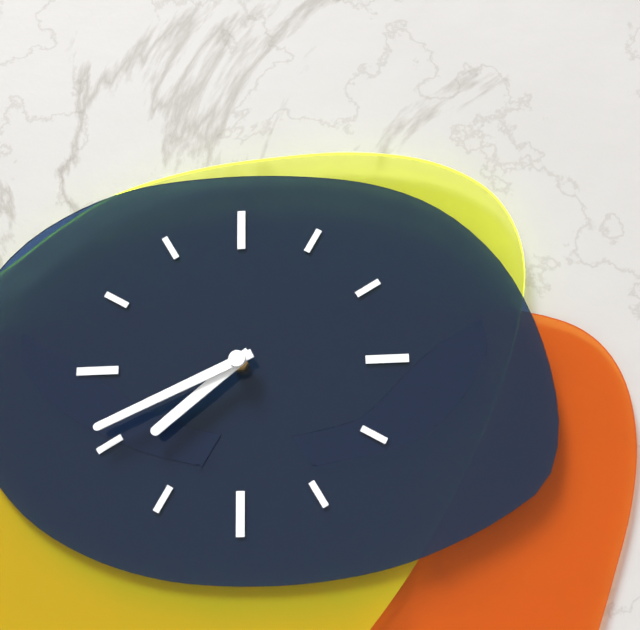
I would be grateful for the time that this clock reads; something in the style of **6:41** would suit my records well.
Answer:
**7:41**
